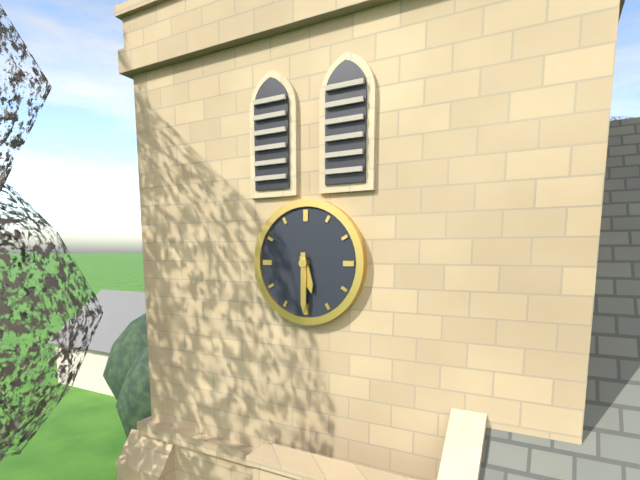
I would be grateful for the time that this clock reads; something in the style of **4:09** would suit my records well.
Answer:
**5:30**
